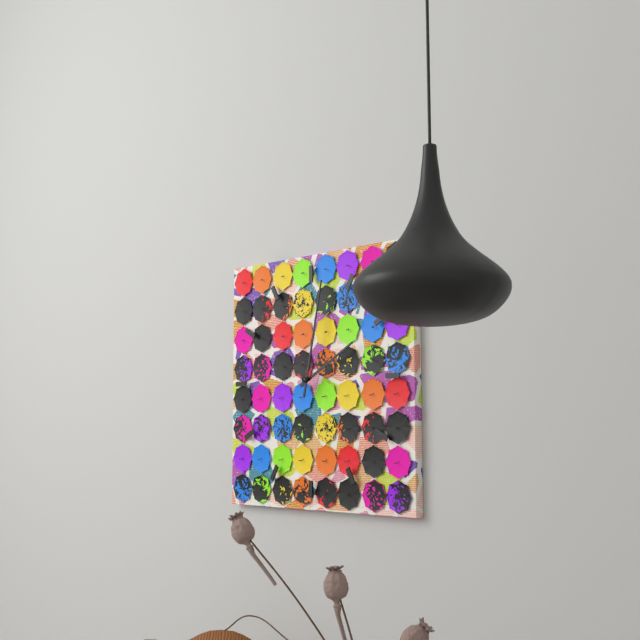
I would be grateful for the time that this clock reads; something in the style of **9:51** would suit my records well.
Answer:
**2:02**
